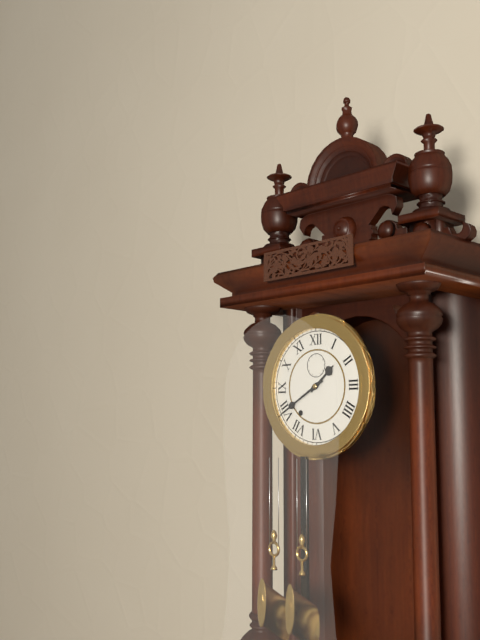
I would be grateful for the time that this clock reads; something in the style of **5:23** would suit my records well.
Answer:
**1:40**
